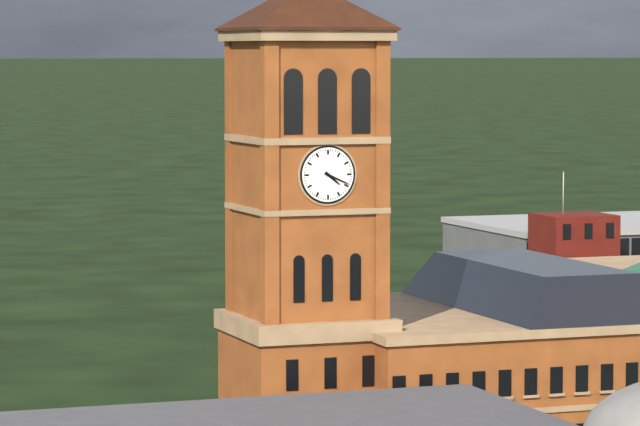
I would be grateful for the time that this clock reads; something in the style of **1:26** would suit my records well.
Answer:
**4:19**
